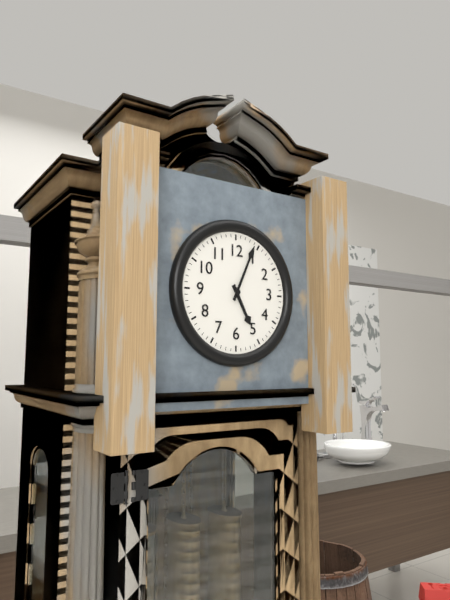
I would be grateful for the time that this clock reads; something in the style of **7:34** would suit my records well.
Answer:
**5:04**
